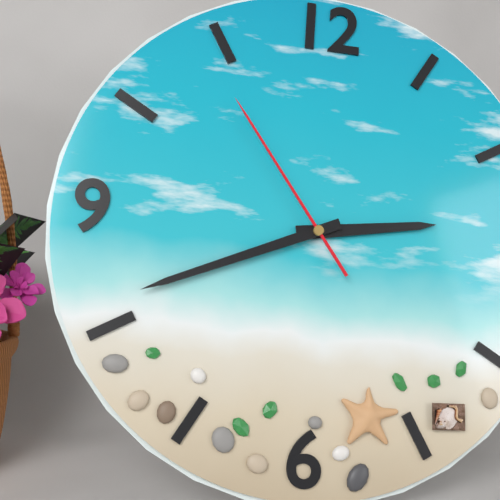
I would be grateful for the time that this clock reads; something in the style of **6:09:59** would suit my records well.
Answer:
**2:41:54**
